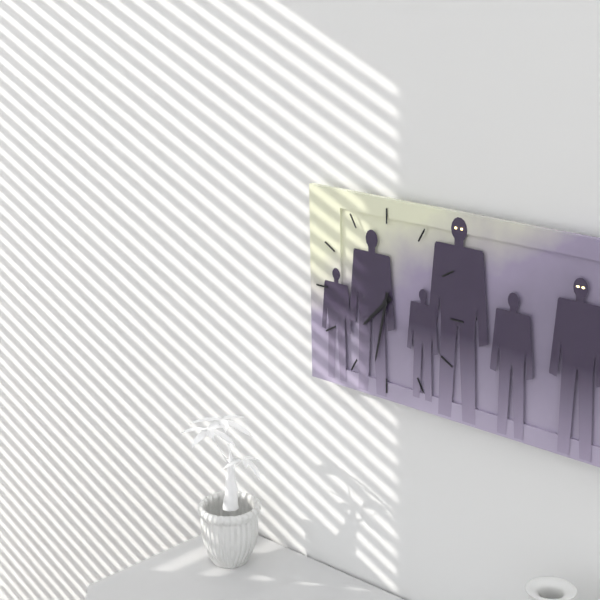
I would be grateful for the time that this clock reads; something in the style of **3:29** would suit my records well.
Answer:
**7:32**
